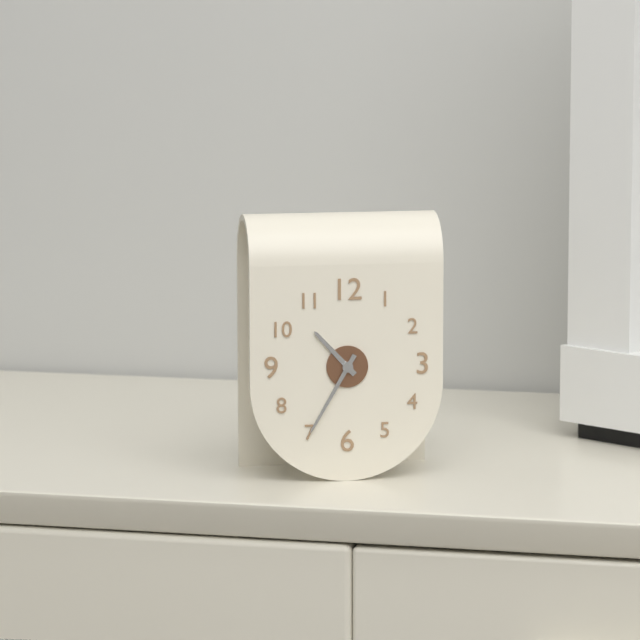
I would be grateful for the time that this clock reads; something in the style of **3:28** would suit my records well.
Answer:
**10:35**
